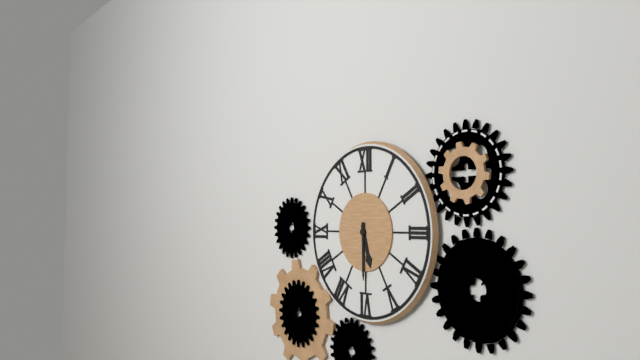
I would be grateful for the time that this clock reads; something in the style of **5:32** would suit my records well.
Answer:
**5:30**
